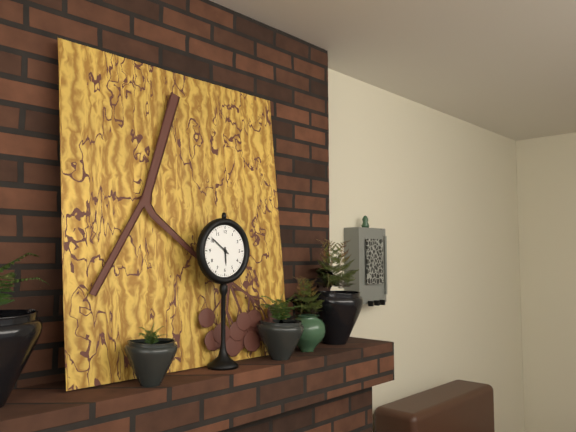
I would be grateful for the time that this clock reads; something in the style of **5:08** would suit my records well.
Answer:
**5:51**
